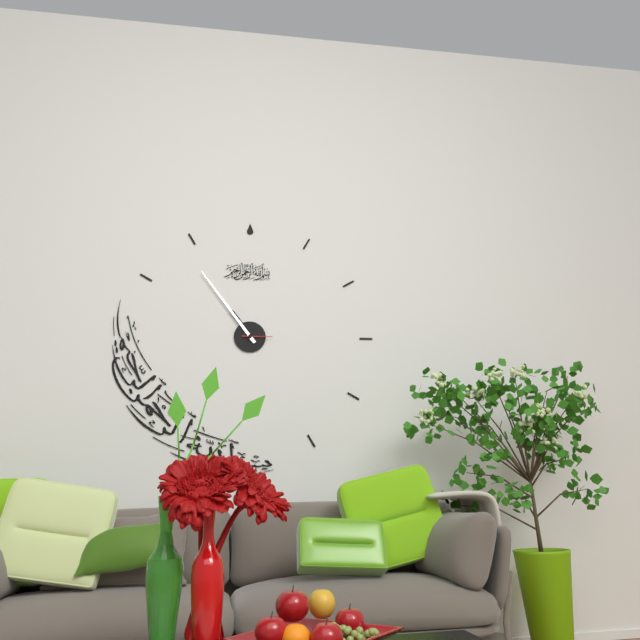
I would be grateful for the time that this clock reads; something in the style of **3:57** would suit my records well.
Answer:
**10:54**
